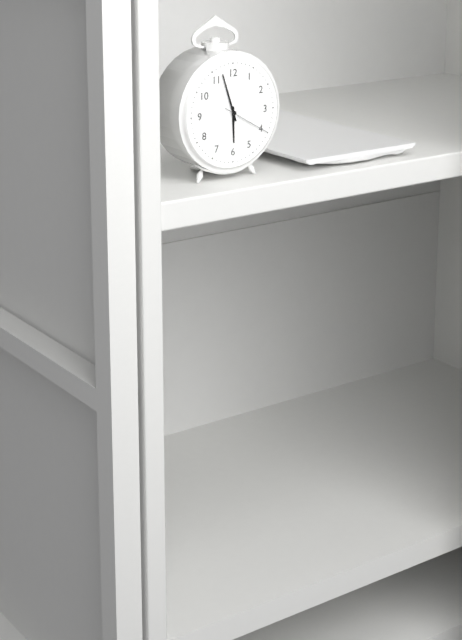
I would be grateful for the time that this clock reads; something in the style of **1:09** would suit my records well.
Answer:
**5:57**
